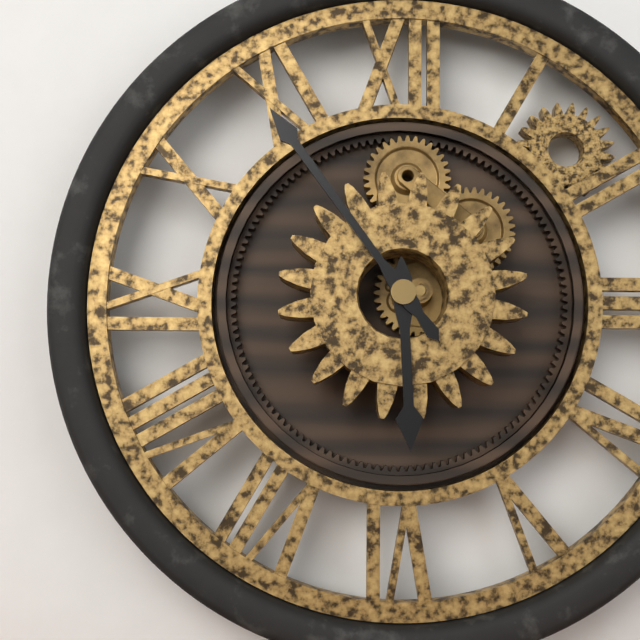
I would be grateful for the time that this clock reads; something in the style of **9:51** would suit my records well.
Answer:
**5:54**
